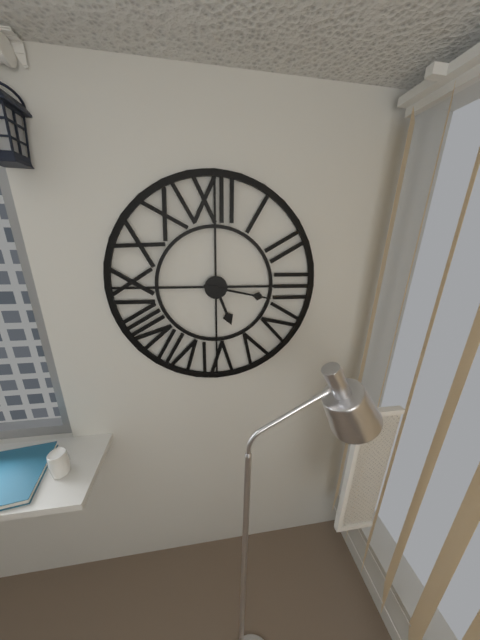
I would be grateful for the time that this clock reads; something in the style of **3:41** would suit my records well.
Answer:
**5:17**
